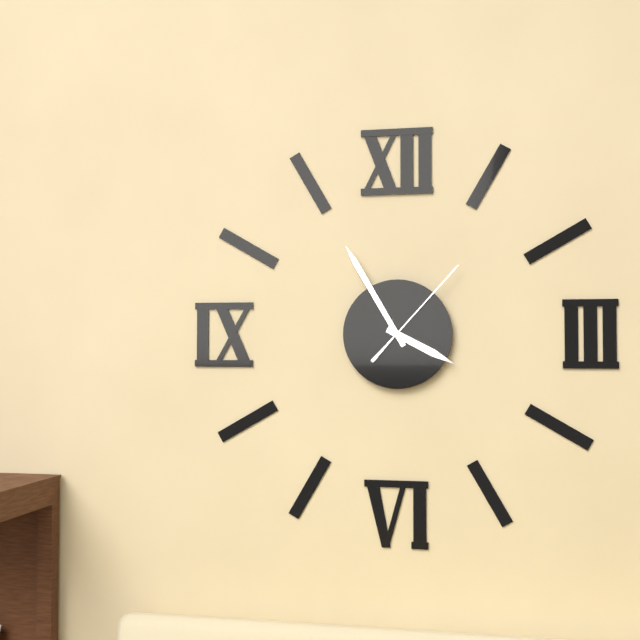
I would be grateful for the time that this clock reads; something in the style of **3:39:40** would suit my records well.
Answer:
**3:55:07**
